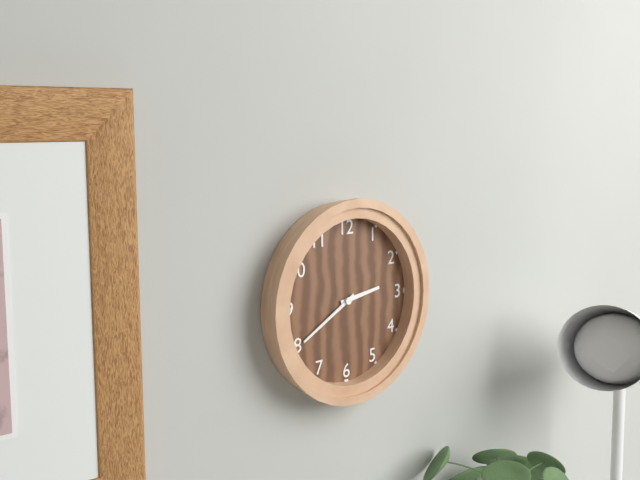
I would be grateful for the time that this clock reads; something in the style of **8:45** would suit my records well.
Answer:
**2:40**
